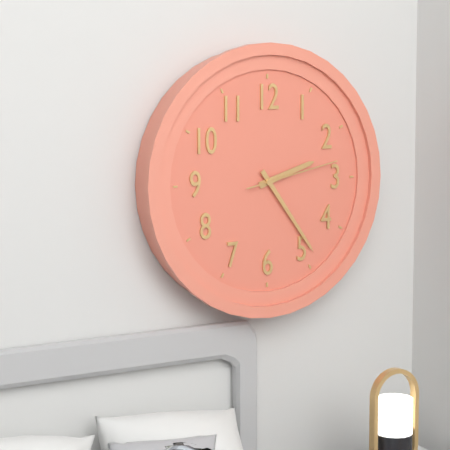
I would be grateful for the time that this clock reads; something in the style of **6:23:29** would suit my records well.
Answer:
**2:24:13**
